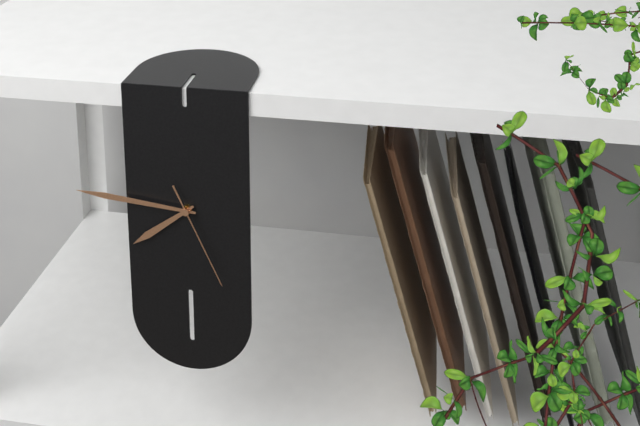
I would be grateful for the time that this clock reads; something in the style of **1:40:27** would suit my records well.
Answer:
**7:46:26**
